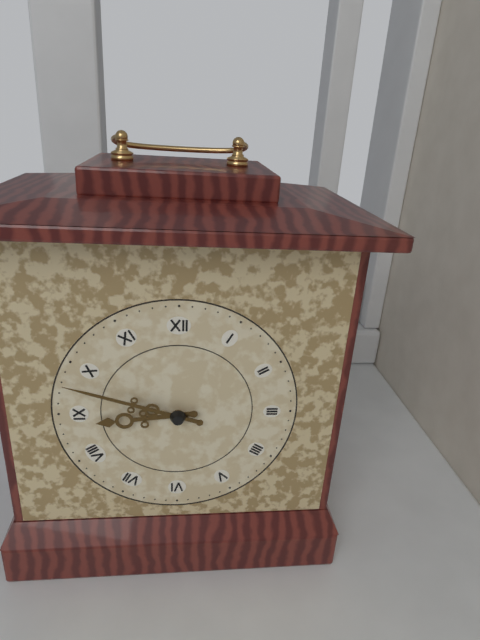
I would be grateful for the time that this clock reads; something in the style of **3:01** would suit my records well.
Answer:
**8:48**
